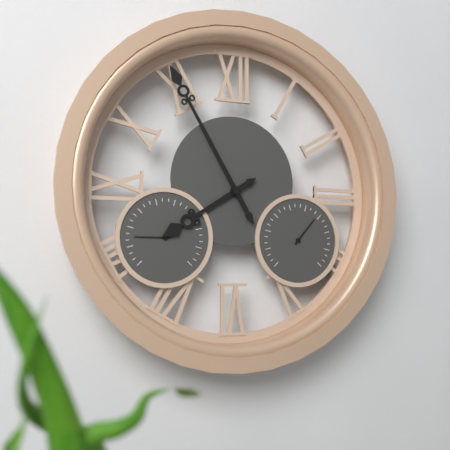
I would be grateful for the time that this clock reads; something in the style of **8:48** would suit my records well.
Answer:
**7:55**
